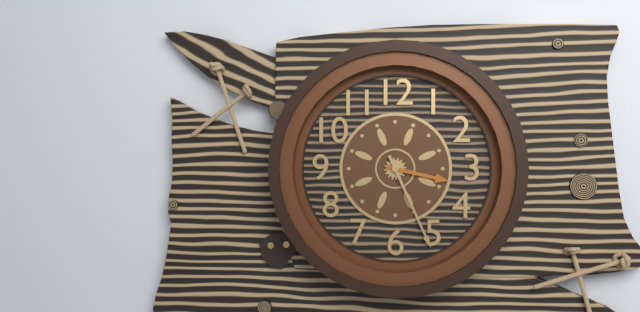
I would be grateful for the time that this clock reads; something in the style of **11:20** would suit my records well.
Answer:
**3:26**
